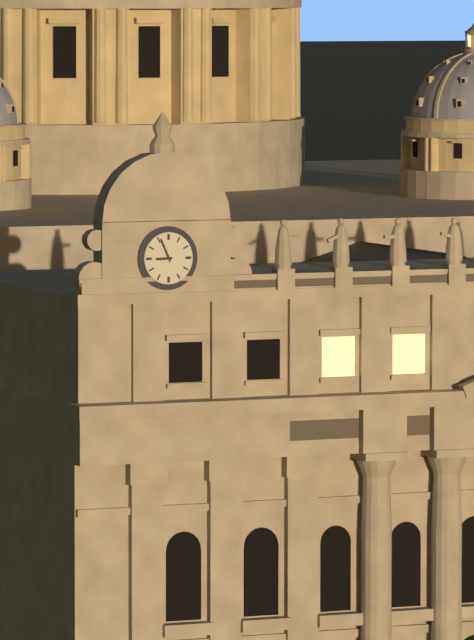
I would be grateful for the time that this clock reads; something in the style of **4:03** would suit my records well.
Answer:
**8:56**
